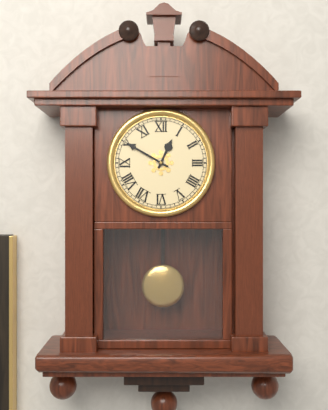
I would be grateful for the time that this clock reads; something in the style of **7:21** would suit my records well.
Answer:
**12:50**
